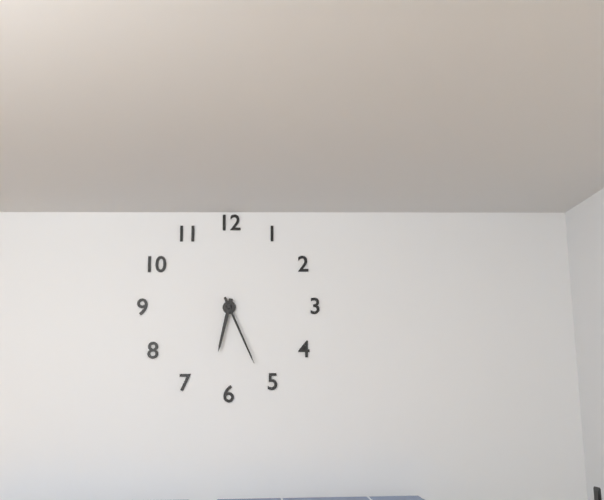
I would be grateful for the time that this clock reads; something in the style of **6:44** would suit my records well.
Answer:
**6:26**
